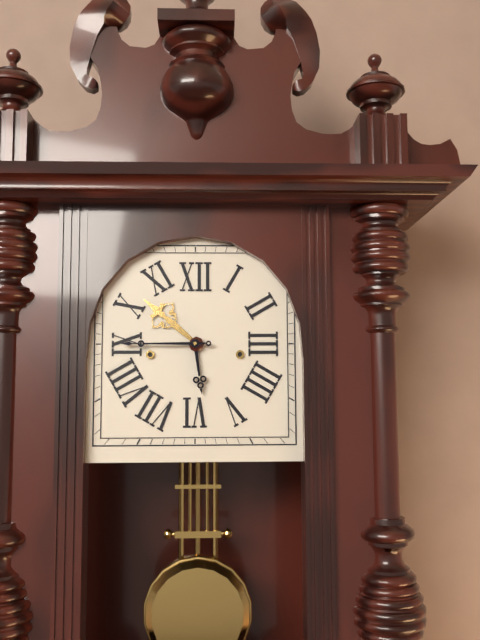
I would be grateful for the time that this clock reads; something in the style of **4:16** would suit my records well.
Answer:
**5:45**
